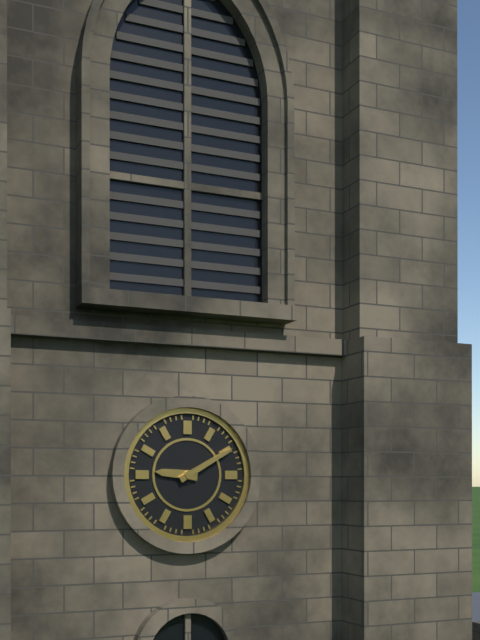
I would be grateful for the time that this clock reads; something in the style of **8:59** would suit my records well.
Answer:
**9:10**
